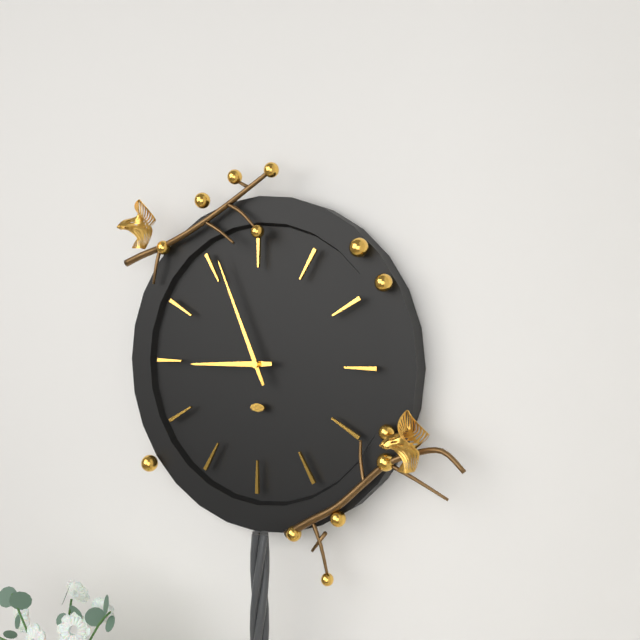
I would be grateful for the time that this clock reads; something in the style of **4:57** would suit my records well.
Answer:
**8:56**
